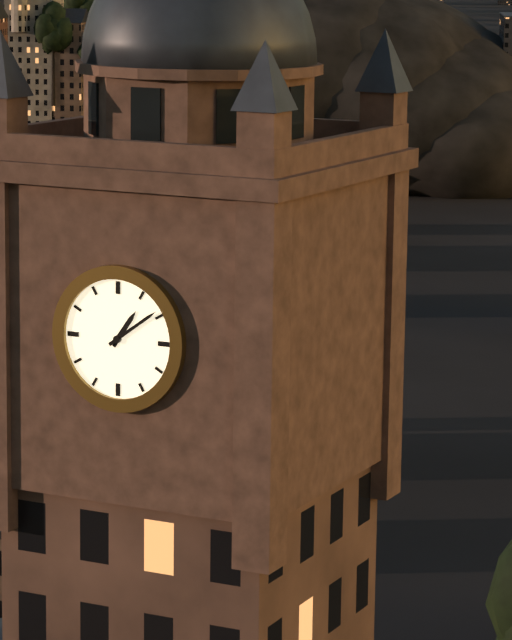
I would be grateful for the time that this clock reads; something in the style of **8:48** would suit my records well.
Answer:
**1:09**
